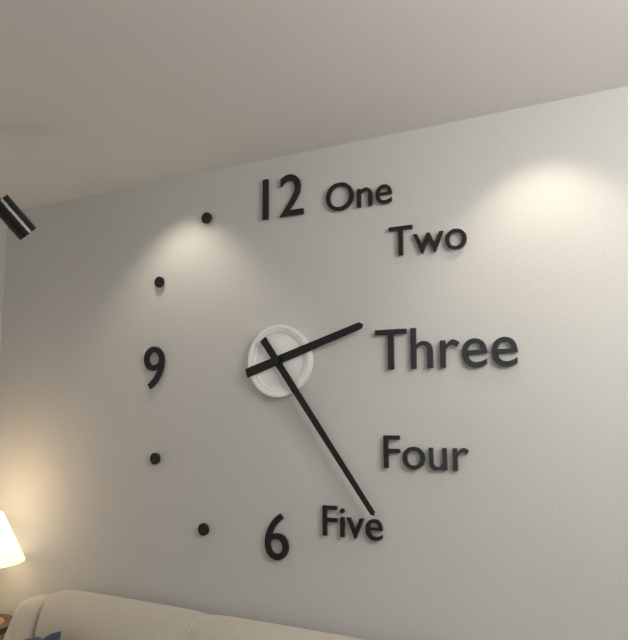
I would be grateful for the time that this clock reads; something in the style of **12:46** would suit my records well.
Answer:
**2:24**
